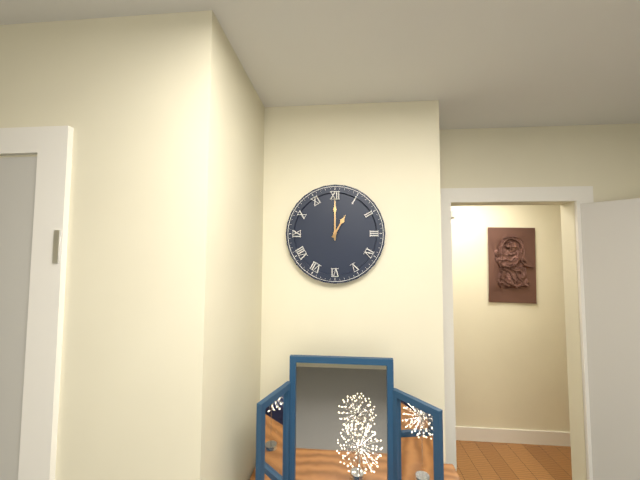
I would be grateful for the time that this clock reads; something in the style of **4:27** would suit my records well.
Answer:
**1:00**
